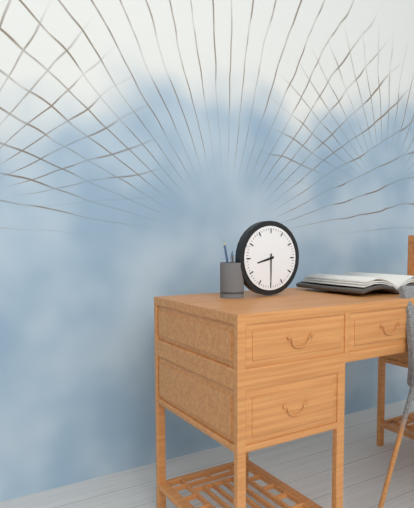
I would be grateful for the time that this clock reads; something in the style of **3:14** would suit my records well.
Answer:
**8:30**
